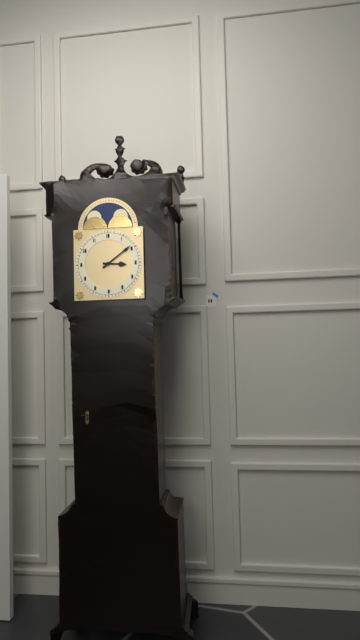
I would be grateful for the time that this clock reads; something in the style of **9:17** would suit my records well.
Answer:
**3:09**
